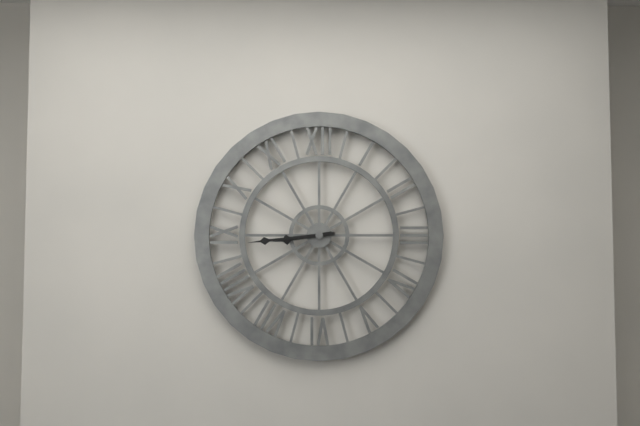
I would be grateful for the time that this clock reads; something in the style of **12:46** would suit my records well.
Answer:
**8:44**
